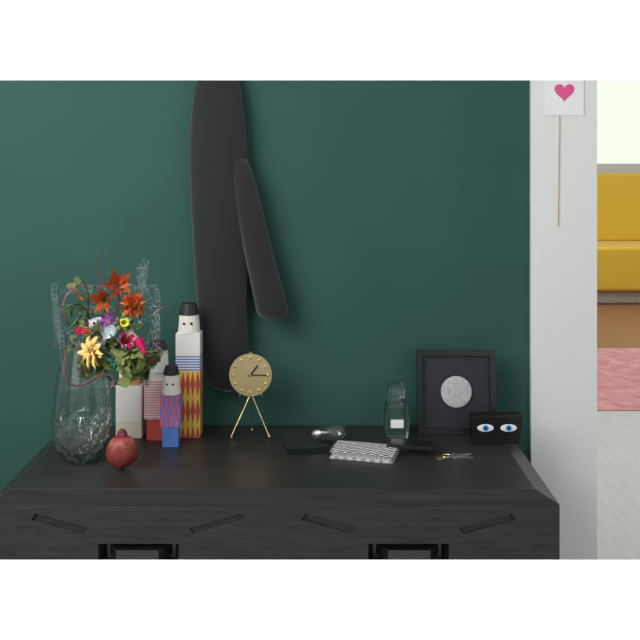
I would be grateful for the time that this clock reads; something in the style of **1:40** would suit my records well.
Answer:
**1:15**
